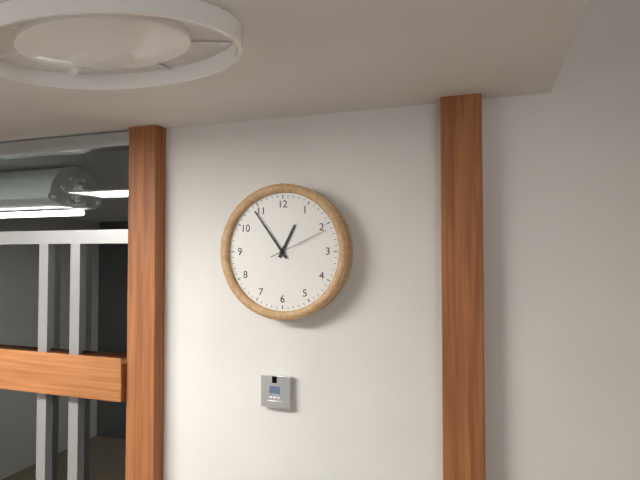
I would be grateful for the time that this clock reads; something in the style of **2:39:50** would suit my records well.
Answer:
**12:54:11**
